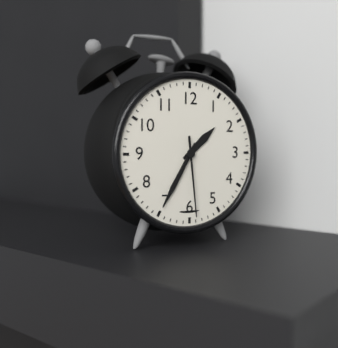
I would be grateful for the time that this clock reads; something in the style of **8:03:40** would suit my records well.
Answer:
**1:35:29**
